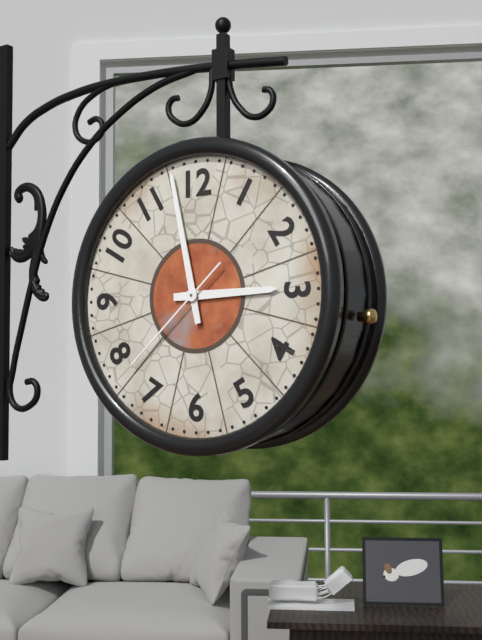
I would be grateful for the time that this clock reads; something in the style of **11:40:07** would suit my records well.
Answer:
**2:58:38**
